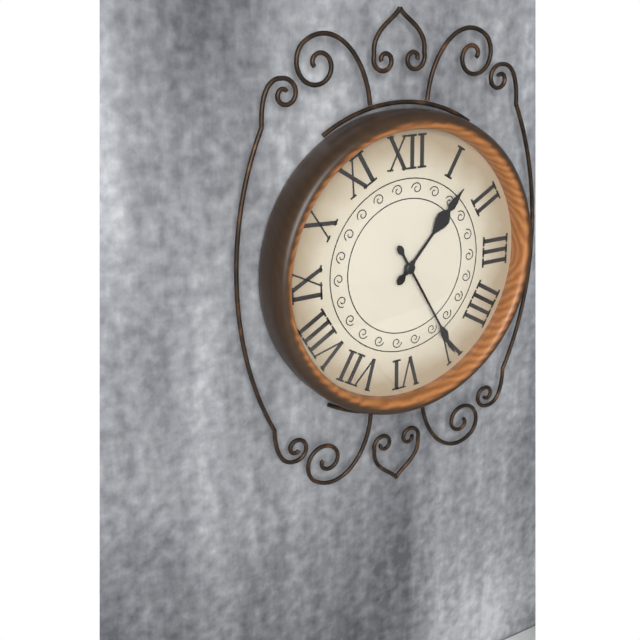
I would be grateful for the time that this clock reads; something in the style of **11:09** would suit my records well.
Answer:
**1:25**
